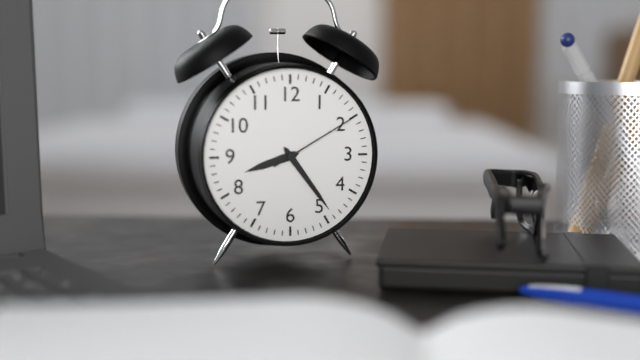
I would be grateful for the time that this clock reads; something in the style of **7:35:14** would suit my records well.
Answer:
**8:24:10**
